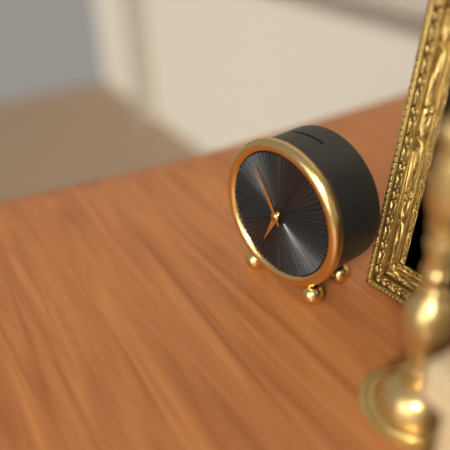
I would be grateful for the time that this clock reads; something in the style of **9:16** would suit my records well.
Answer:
**6:55**
